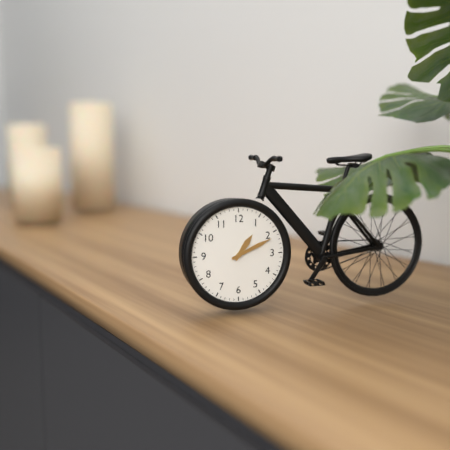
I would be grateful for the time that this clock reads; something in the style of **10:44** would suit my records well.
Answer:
**1:11**
